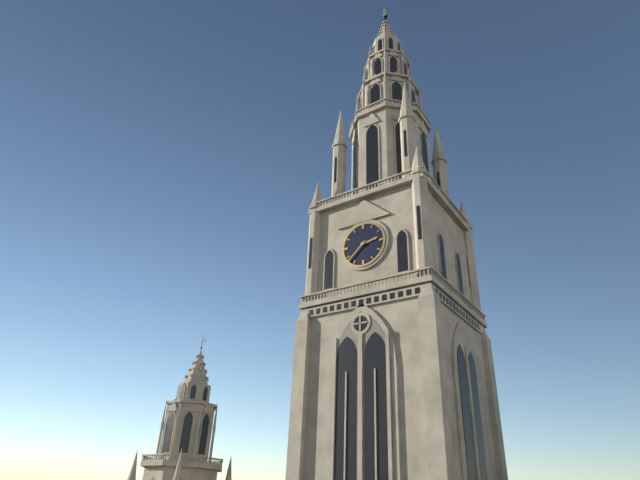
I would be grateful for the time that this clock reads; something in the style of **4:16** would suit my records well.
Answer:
**2:38**
